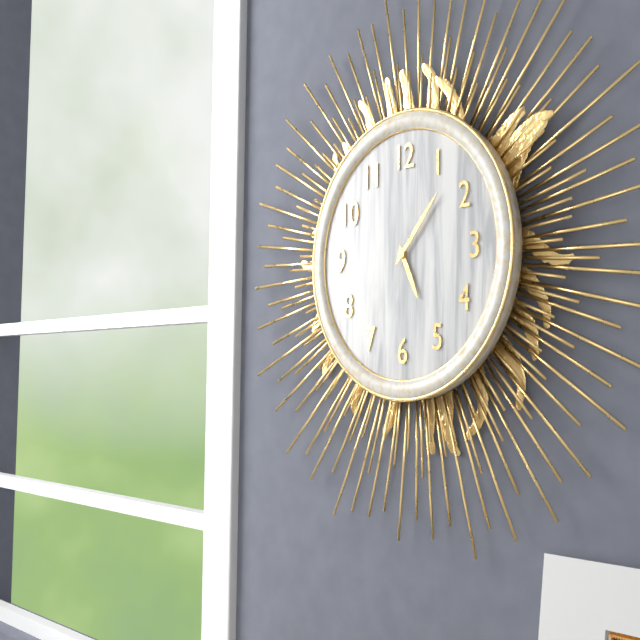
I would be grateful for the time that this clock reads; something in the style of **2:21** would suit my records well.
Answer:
**5:07**
